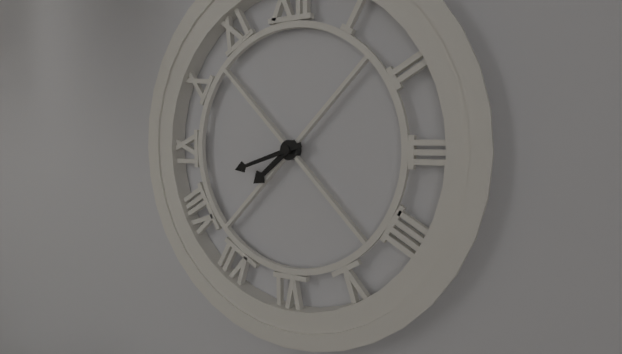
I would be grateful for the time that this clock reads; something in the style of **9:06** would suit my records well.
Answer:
**7:42**
